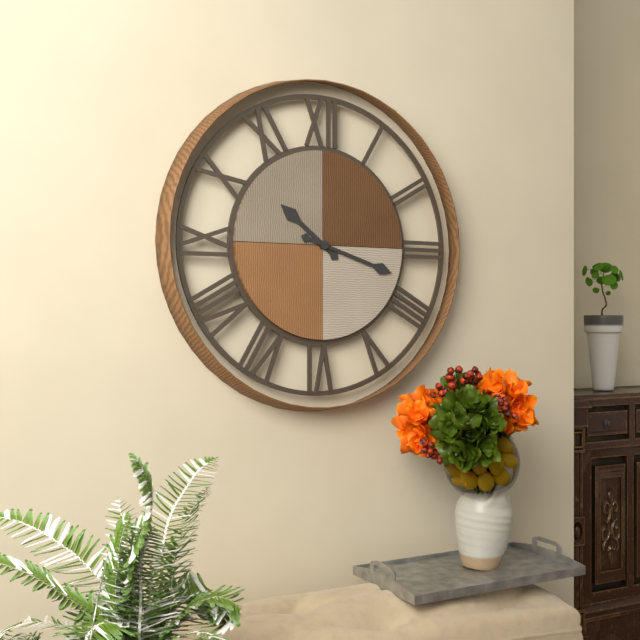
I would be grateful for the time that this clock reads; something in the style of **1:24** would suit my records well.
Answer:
**10:18**
